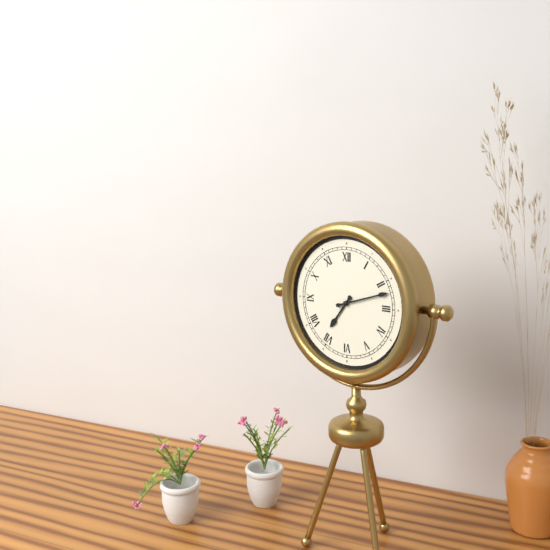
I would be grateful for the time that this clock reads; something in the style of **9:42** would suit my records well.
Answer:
**7:12**
